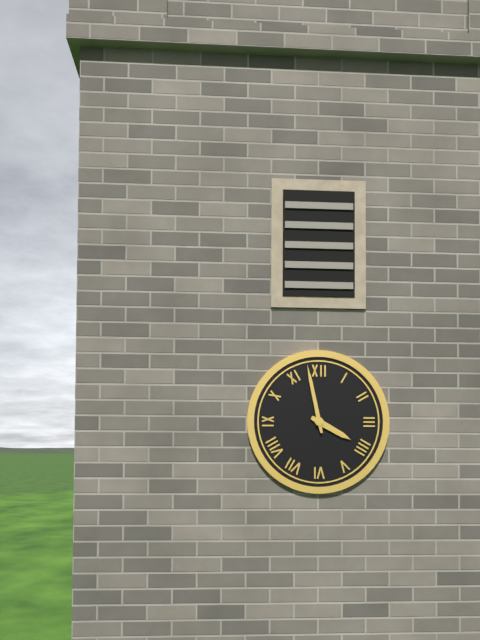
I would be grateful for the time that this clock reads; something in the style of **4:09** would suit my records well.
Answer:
**3:58**
